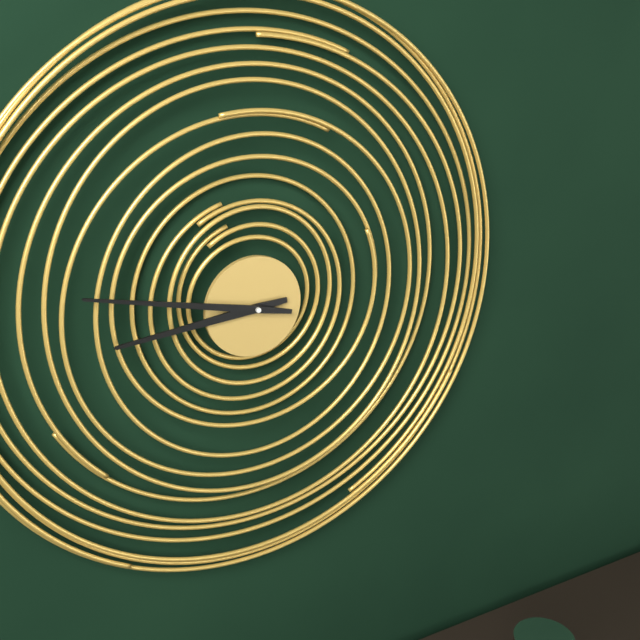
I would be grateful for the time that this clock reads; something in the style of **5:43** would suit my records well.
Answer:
**8:47**
